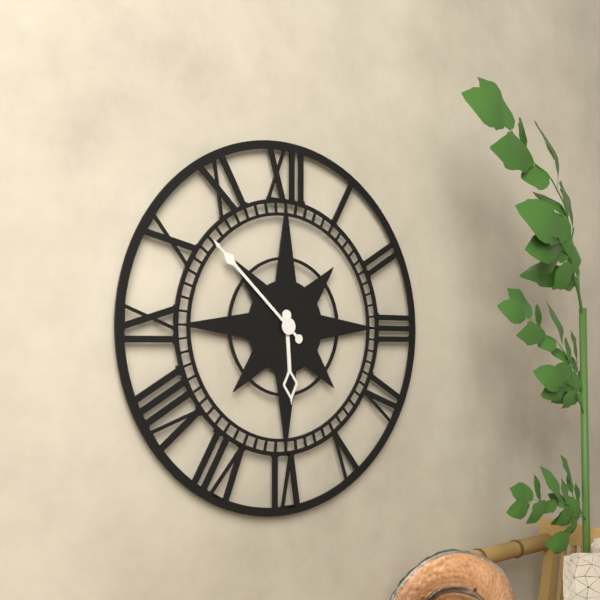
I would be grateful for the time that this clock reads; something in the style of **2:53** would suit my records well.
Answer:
**5:52**
